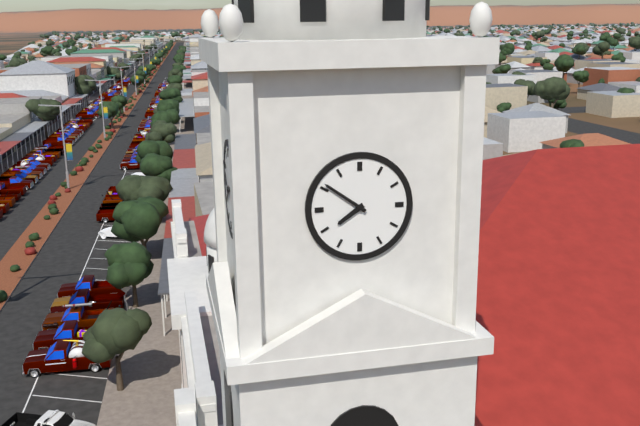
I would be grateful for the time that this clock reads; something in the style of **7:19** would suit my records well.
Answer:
**7:51**
